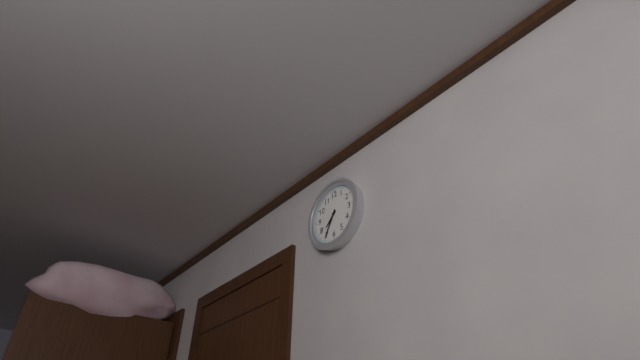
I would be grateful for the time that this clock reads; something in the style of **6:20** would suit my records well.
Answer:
**7:35**
